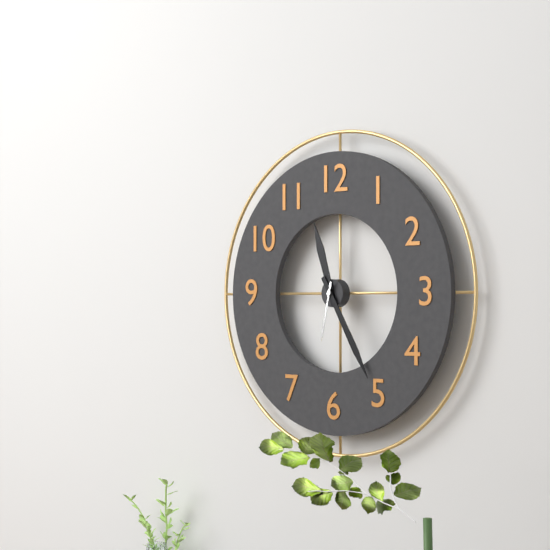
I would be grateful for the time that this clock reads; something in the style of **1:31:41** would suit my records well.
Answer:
**11:25:32**
